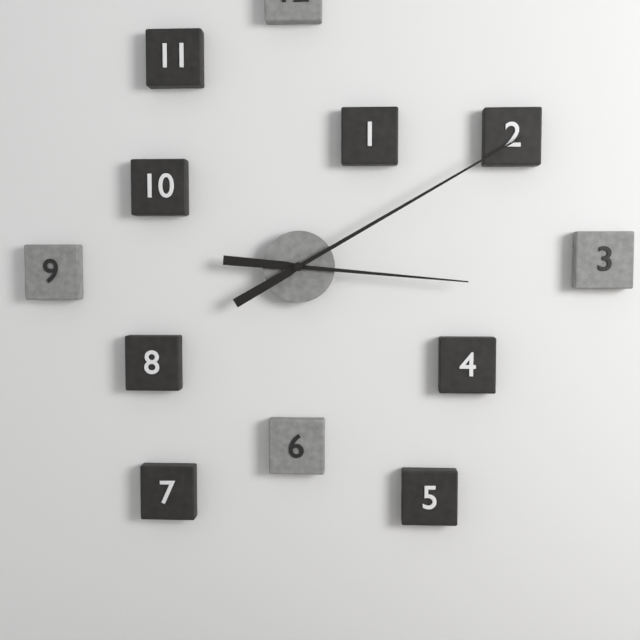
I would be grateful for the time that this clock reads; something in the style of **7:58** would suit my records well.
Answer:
**3:10**
